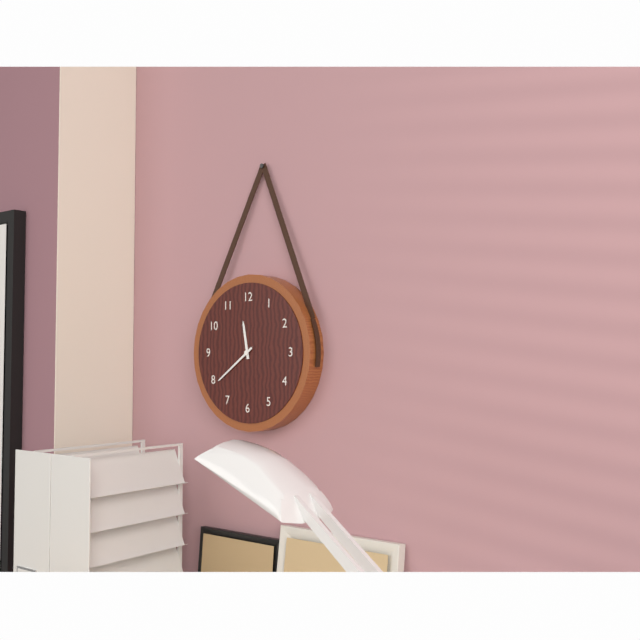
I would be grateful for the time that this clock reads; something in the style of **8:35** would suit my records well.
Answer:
**11:39**
